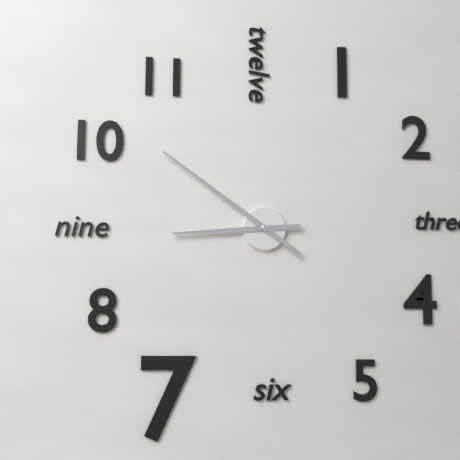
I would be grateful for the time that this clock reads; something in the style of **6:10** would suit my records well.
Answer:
**8:51**
